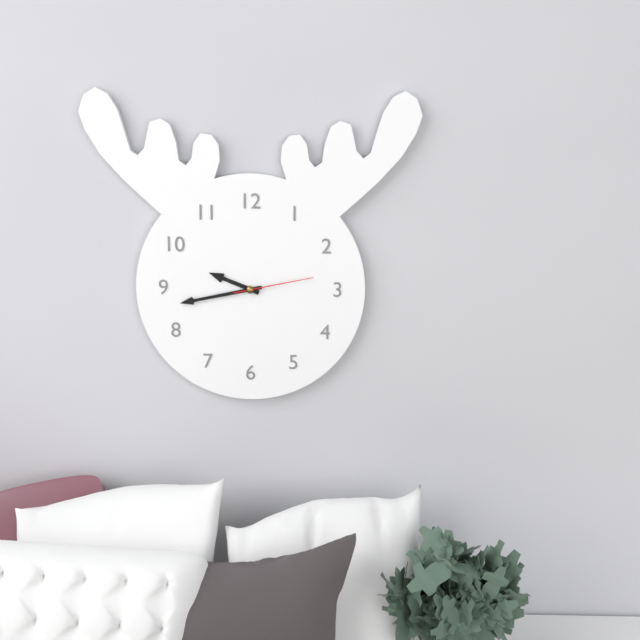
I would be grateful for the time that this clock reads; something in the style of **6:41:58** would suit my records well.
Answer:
**9:43:13**
